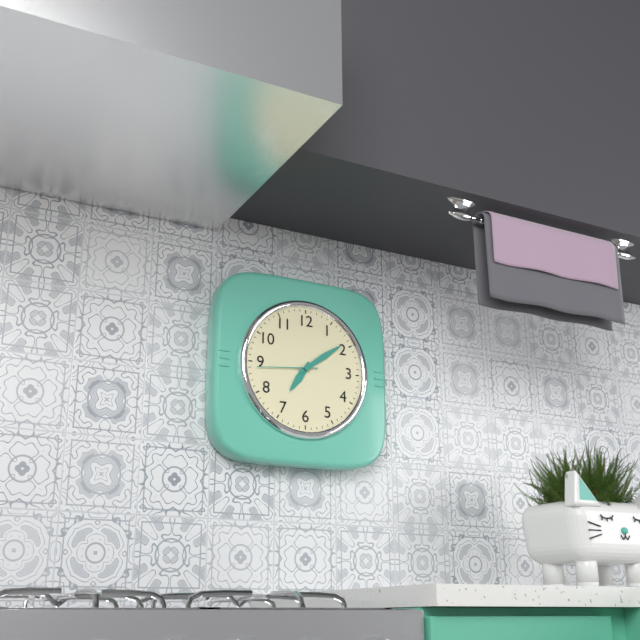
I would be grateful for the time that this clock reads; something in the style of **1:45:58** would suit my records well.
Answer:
**7:09:44**
